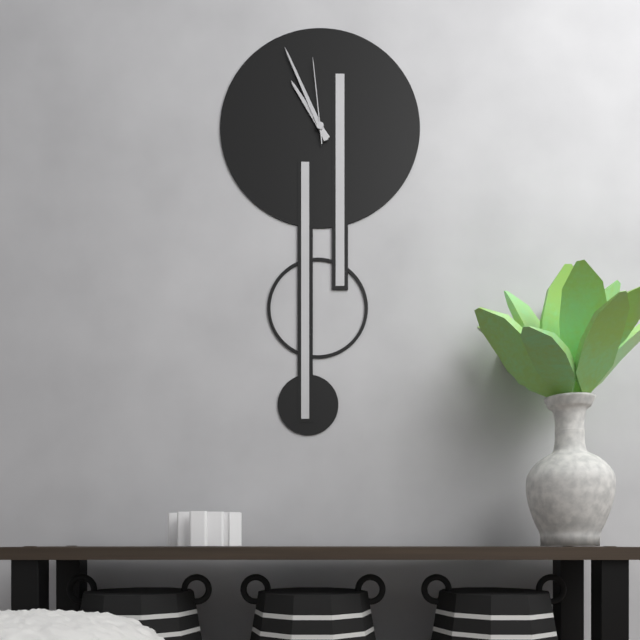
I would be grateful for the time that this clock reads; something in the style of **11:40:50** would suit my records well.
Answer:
**10:56:59**
